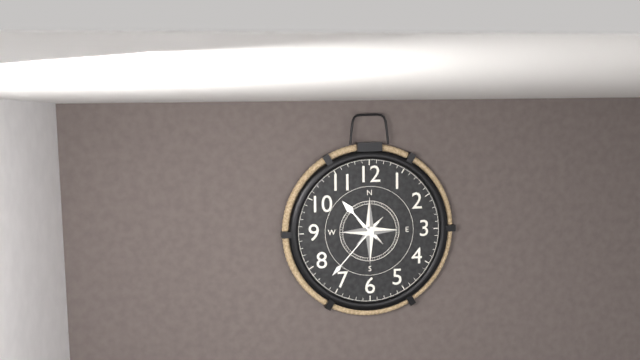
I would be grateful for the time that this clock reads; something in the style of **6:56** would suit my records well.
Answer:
**10:37**
